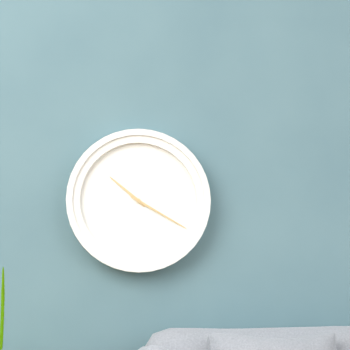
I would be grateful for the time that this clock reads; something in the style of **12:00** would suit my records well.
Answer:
**10:20**
